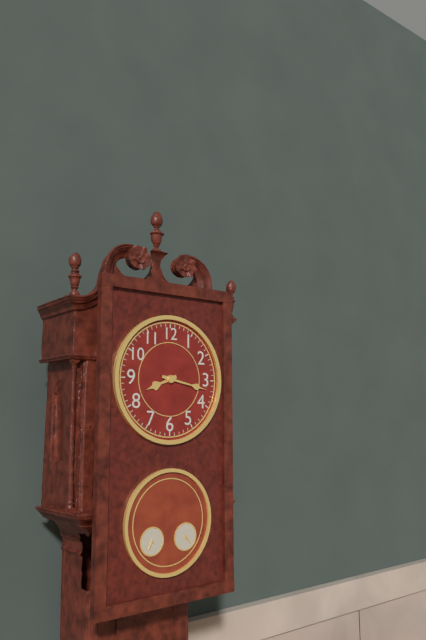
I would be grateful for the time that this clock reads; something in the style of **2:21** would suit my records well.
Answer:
**8:17**
